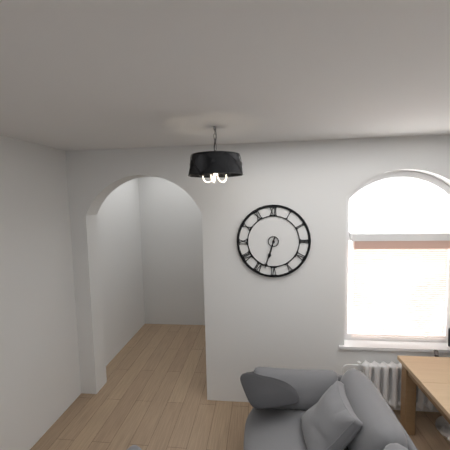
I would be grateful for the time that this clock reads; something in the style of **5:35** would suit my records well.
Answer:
**6:33**
